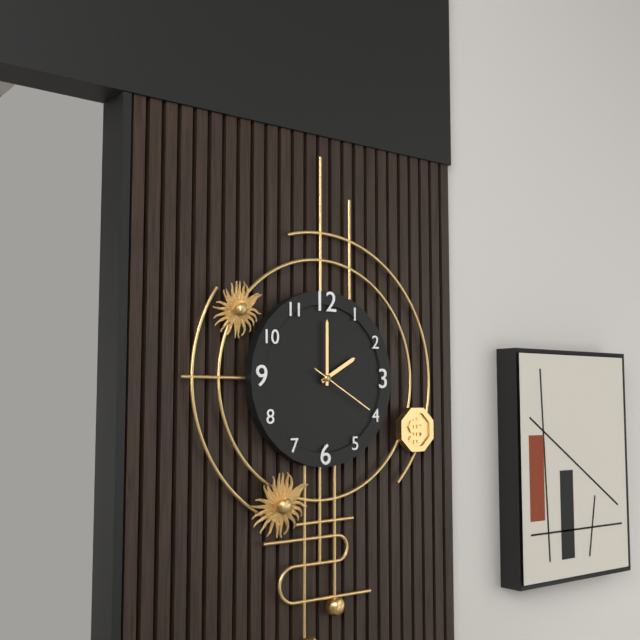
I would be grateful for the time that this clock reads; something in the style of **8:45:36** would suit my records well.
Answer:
**2:00:20**
